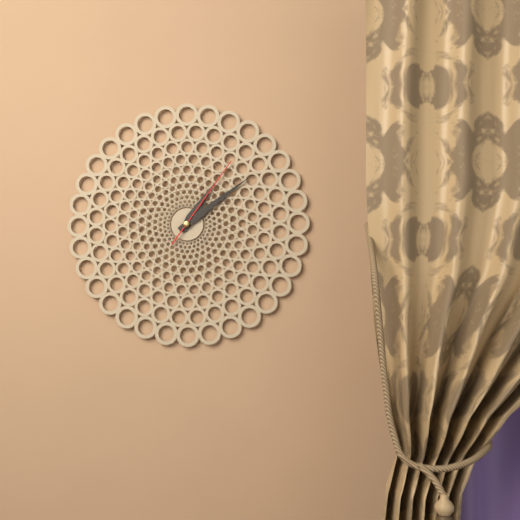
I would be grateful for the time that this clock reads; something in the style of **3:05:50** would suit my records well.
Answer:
**1:09:06**
